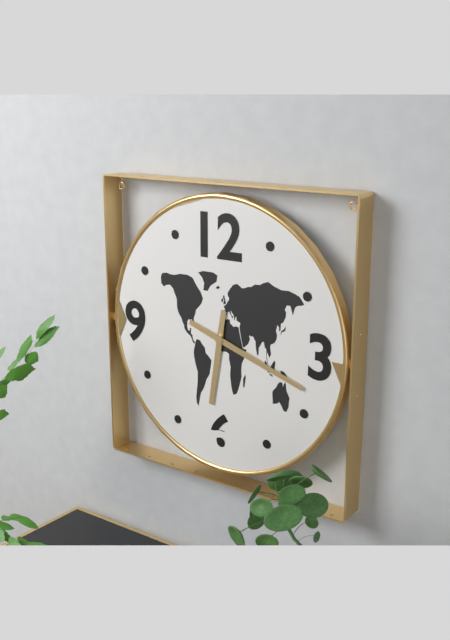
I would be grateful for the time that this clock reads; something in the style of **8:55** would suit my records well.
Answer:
**6:18**
